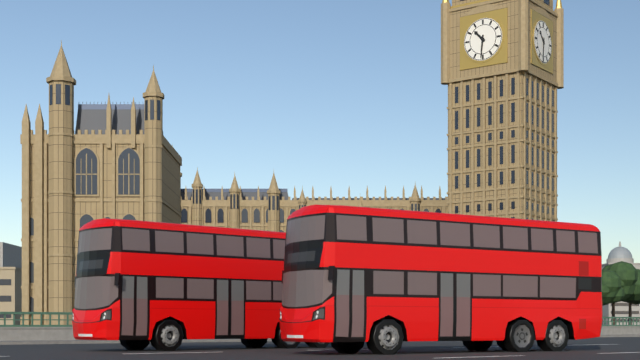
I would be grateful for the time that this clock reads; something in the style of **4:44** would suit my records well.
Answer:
**10:31**
